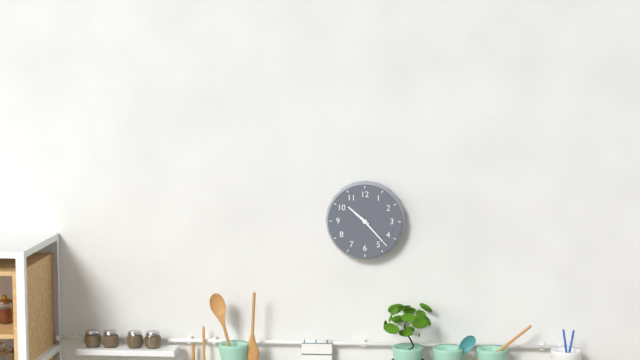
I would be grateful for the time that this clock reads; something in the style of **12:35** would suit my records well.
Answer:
**10:23**
